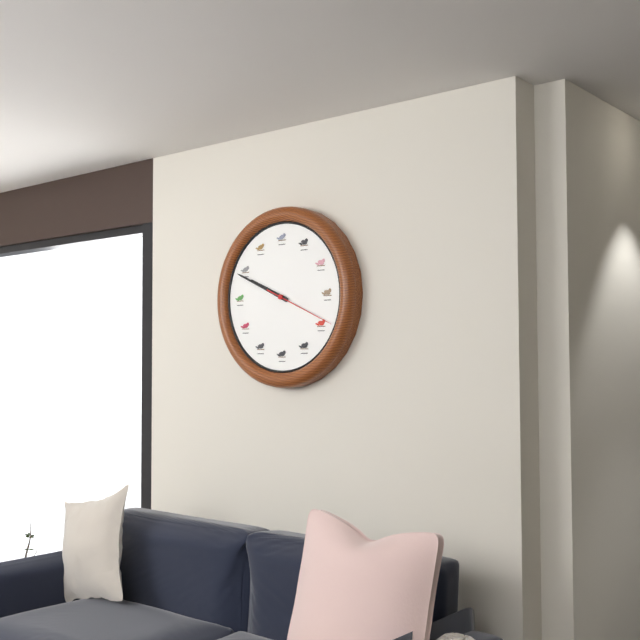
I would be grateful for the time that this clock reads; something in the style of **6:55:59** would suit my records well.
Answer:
**9:49:19**
